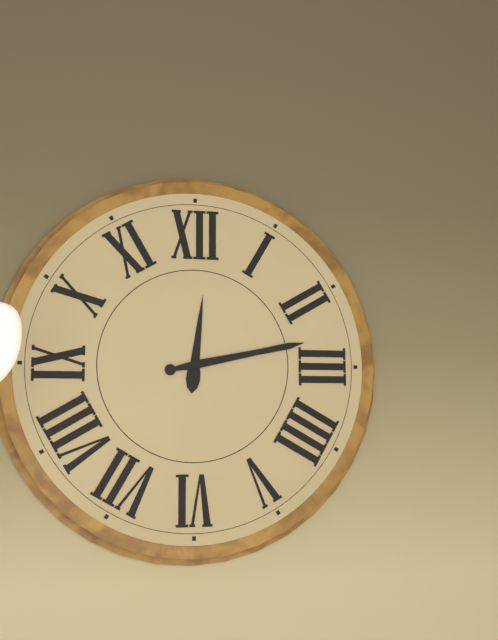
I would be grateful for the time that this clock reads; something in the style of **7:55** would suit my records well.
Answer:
**12:13**
